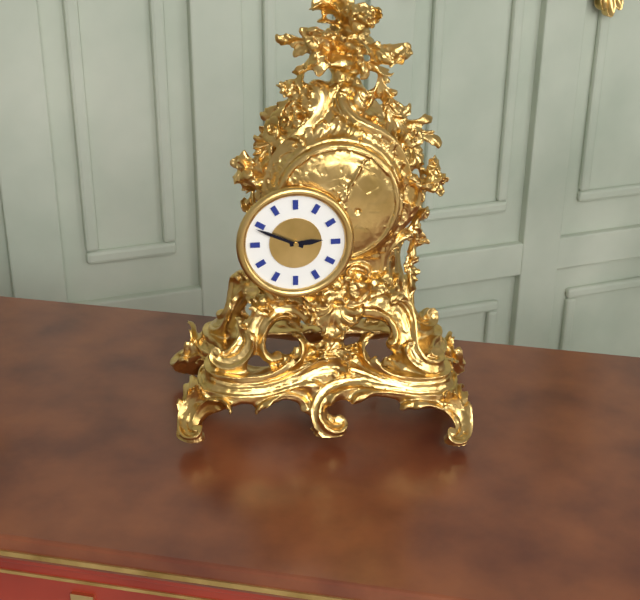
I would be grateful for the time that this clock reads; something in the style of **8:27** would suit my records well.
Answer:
**2:49**
